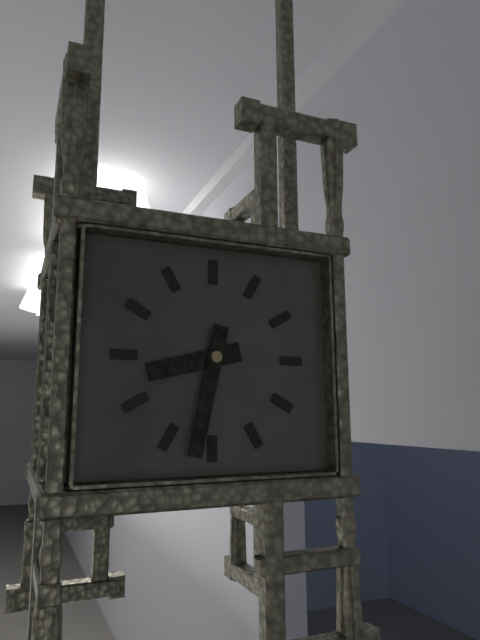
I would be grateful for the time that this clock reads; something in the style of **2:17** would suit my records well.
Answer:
**8:32**
